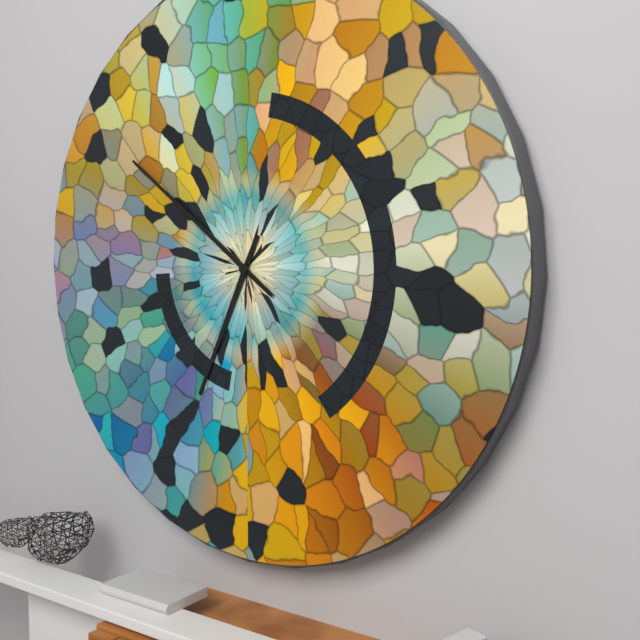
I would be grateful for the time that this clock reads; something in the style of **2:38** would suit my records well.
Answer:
**6:51**
